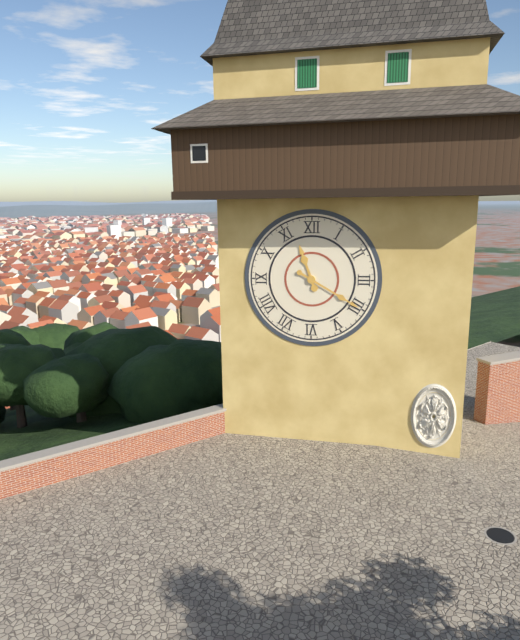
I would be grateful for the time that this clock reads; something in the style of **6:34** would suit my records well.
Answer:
**11:20**
